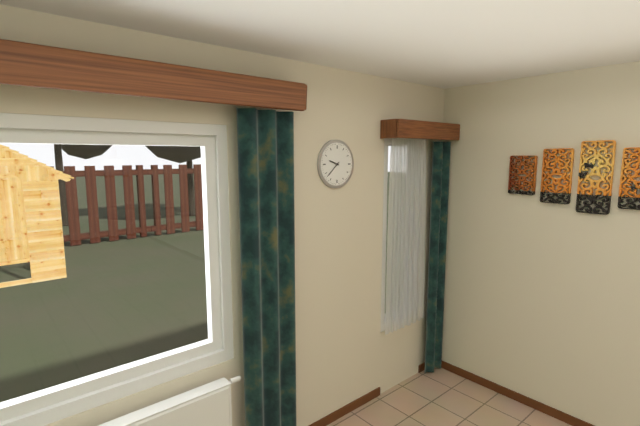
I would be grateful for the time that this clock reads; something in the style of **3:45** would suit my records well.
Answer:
**9:38**
